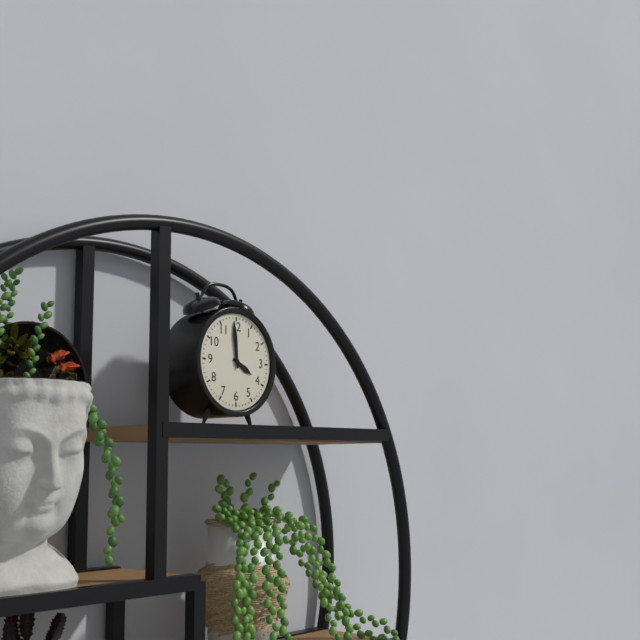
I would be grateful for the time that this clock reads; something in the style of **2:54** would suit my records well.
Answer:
**3:59**
